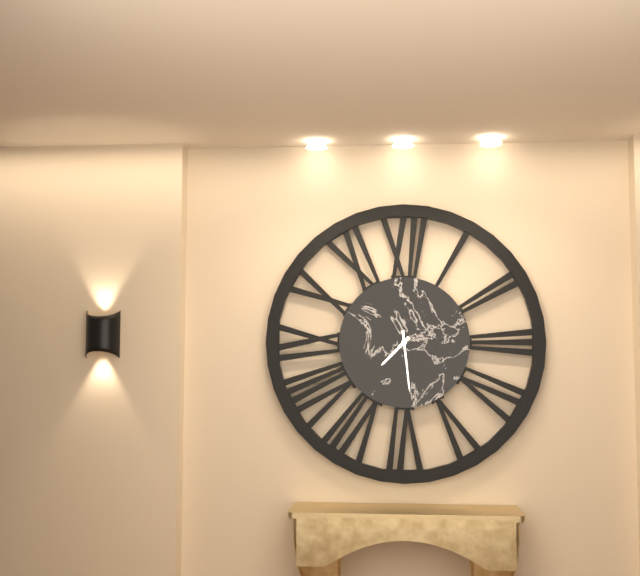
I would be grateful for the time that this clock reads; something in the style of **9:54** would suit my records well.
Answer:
**7:29**
